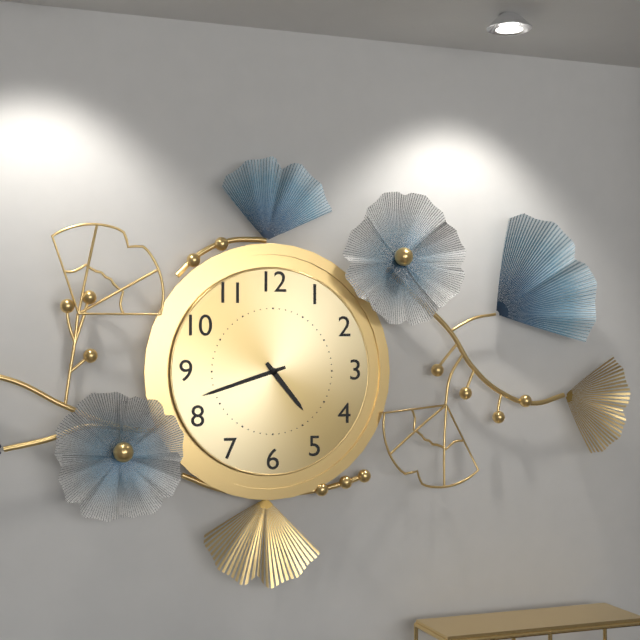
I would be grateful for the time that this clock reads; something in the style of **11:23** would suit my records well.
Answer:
**4:42**
